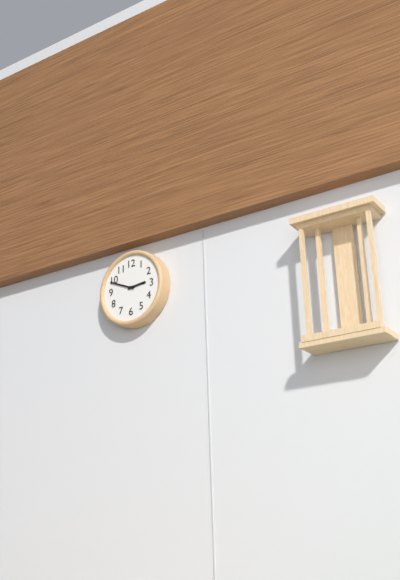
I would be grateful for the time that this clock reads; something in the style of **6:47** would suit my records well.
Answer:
**2:49**
